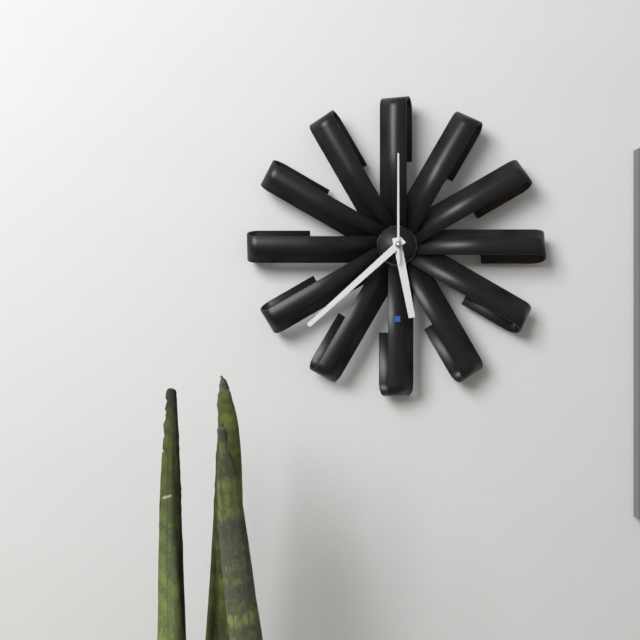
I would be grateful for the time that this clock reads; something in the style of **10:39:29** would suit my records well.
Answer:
**5:38:00**
